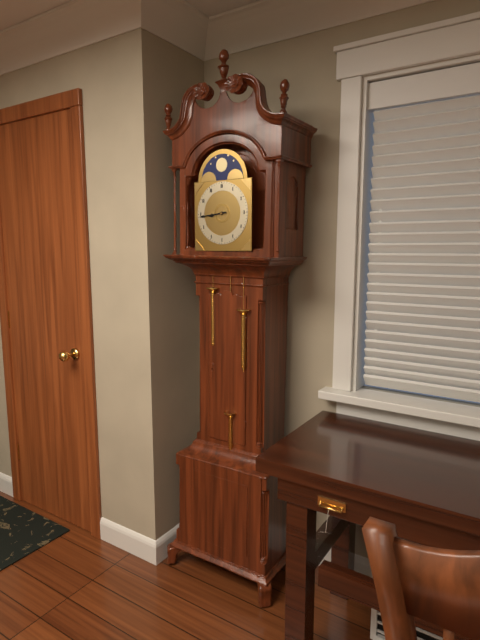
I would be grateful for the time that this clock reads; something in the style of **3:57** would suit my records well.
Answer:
**8:44**
